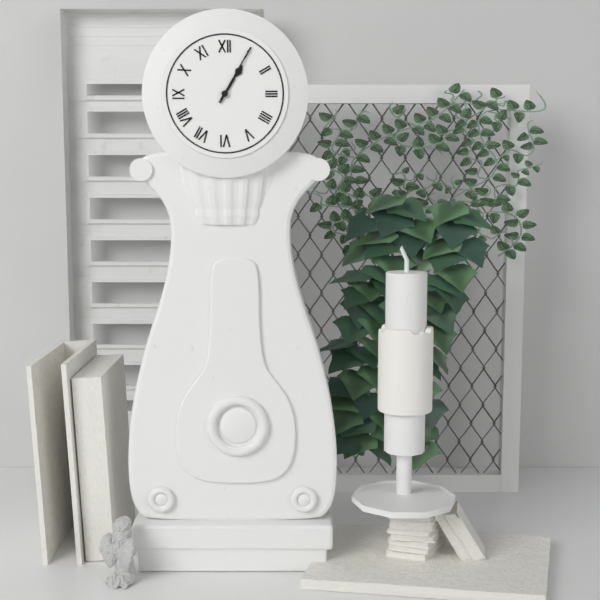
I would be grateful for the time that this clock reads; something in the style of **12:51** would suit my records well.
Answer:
**1:05**
